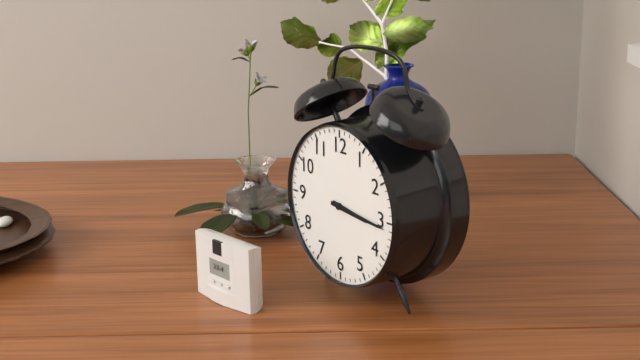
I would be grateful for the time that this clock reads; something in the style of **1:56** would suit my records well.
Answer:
**3:16**
